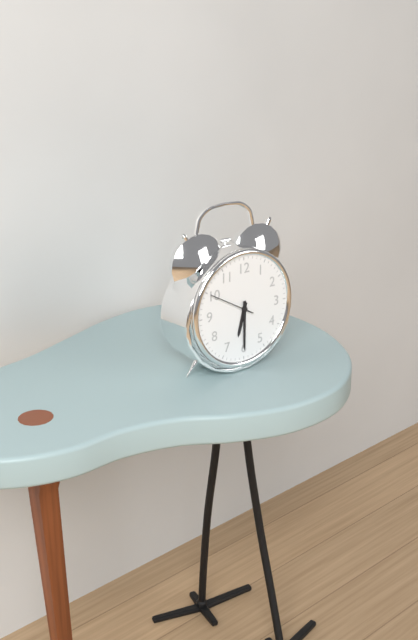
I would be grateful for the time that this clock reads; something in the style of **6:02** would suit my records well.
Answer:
**6:30**
